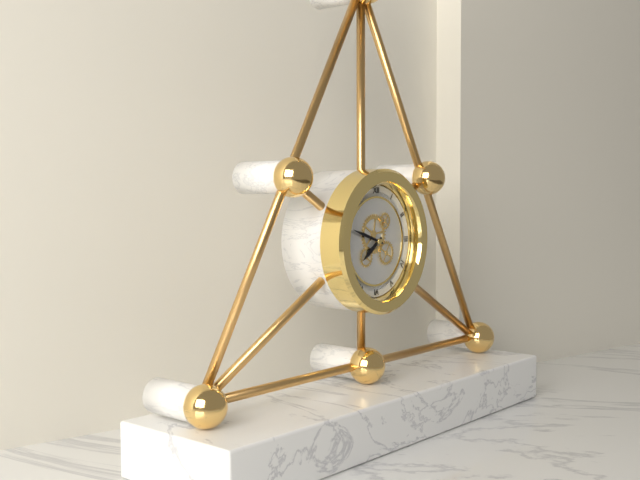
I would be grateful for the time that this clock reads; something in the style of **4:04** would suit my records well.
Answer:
**7:48**
